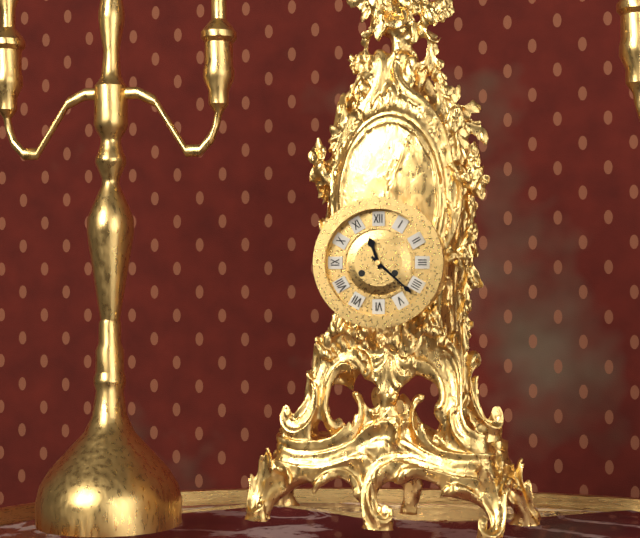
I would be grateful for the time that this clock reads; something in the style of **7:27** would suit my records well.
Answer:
**11:22**
